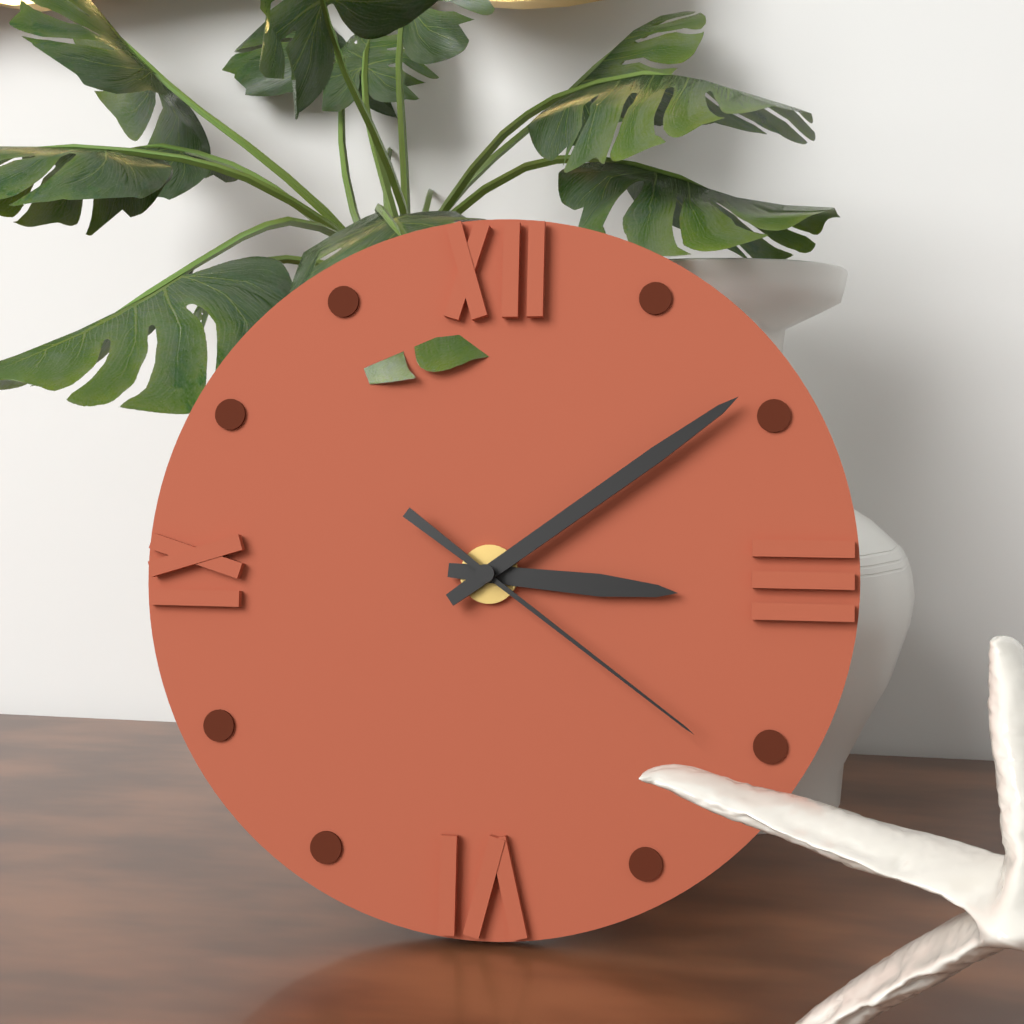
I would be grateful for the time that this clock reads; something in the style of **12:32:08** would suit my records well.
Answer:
**3:09:21**
